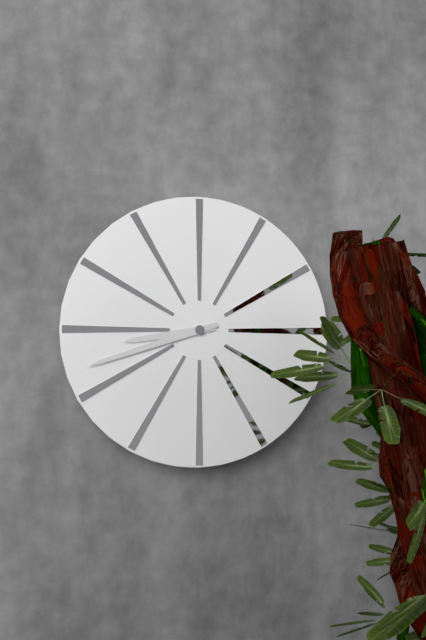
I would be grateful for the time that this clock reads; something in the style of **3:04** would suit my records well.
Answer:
**8:42**
